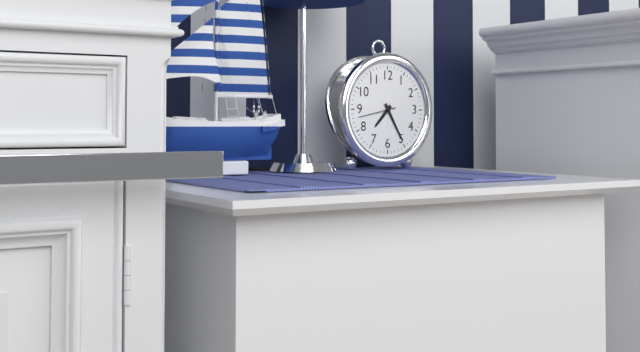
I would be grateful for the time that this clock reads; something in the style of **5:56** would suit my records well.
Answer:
**7:25**
